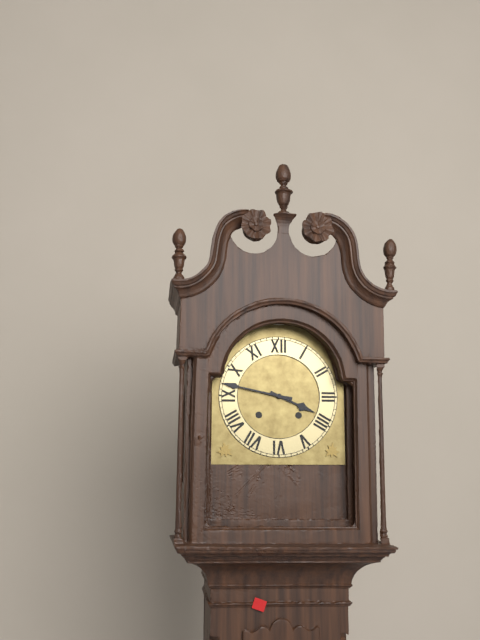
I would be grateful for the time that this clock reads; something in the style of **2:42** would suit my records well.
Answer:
**3:47**
